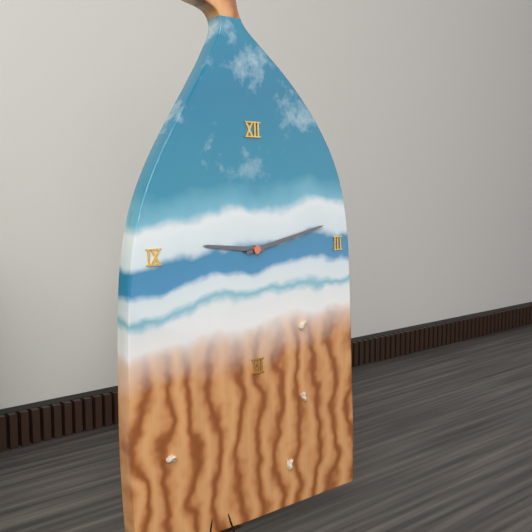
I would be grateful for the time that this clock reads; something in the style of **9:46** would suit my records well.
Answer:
**9:13**
